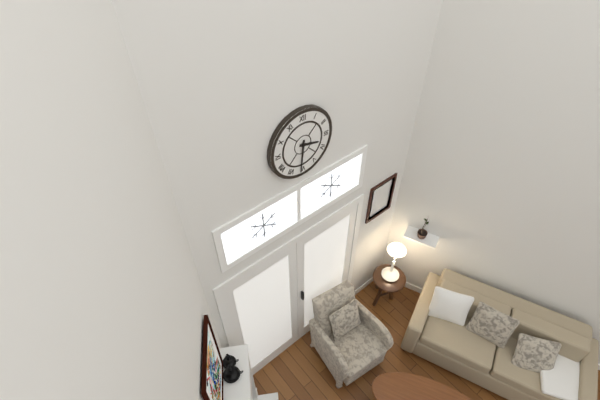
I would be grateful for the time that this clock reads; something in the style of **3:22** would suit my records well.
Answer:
**3:31**
